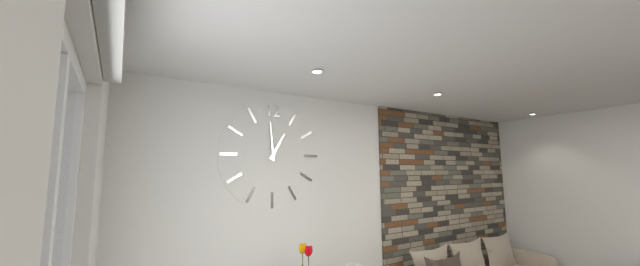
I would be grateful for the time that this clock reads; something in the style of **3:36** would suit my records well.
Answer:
**12:59**
